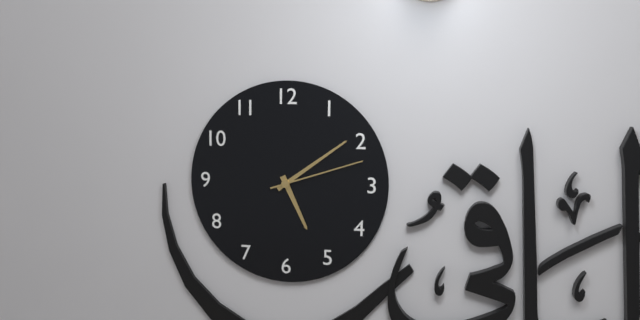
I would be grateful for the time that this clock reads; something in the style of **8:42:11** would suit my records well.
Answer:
**5:09:12**
